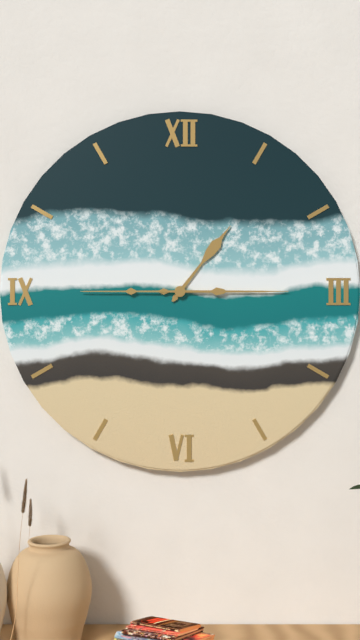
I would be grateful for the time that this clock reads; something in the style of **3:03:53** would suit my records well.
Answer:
**1:15:45**
